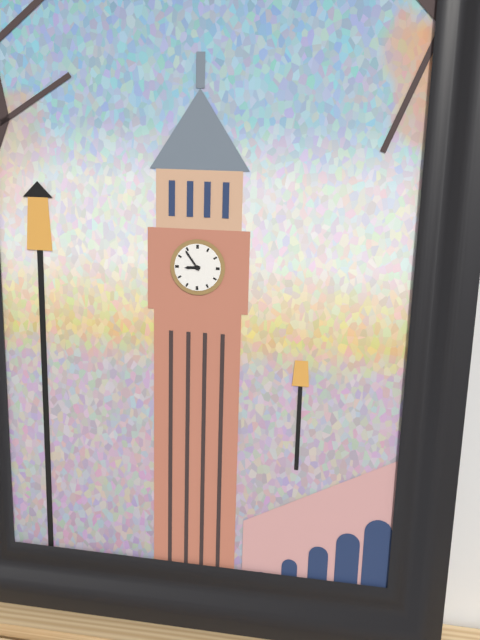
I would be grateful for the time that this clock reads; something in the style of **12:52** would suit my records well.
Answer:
**8:54**
